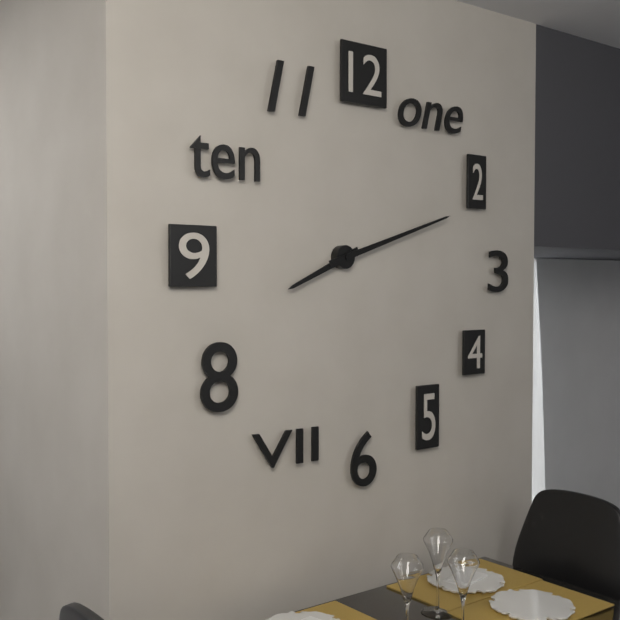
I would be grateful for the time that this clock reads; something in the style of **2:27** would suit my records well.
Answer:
**8:12**
